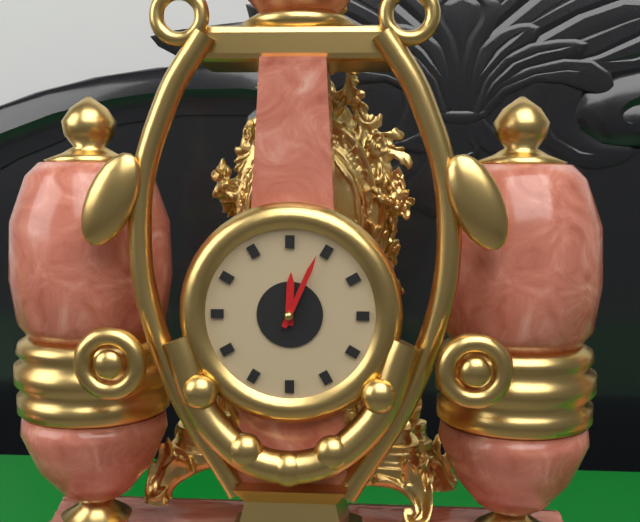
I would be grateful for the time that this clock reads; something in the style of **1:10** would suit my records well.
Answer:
**12:04**
